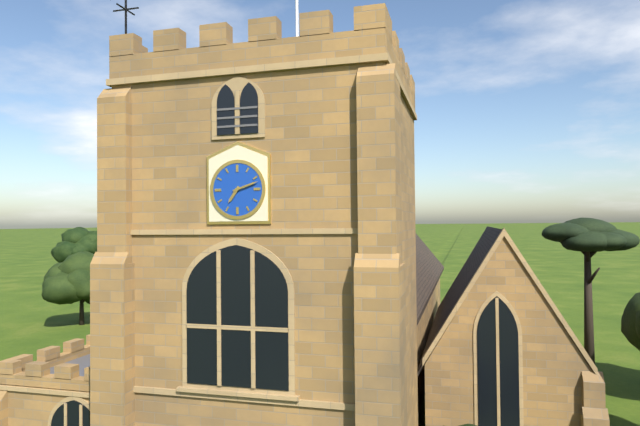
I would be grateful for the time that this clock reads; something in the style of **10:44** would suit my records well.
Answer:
**7:12**
